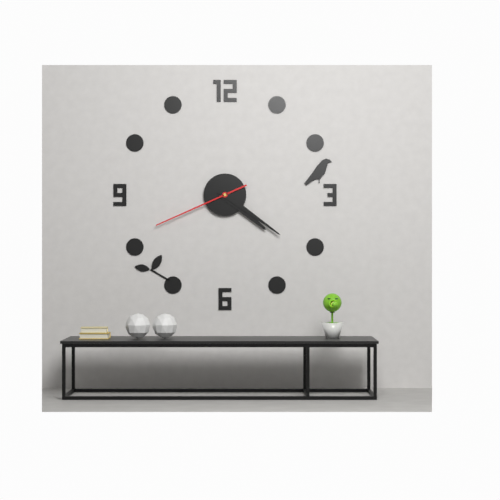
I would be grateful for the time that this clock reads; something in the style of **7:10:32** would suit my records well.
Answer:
**4:21:41**
